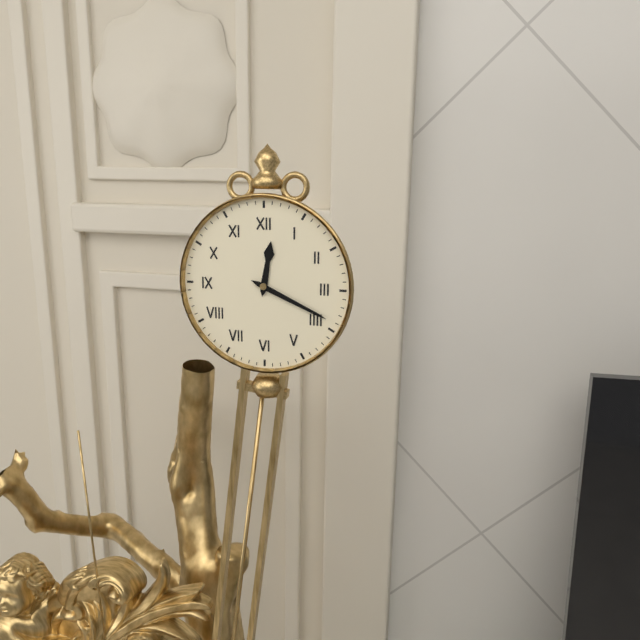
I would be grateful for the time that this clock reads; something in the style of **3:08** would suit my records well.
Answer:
**12:19**
